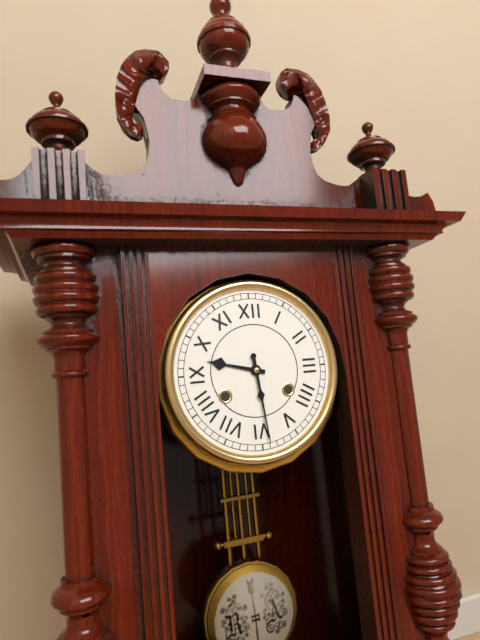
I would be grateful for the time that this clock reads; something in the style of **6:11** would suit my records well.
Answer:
**9:29**
